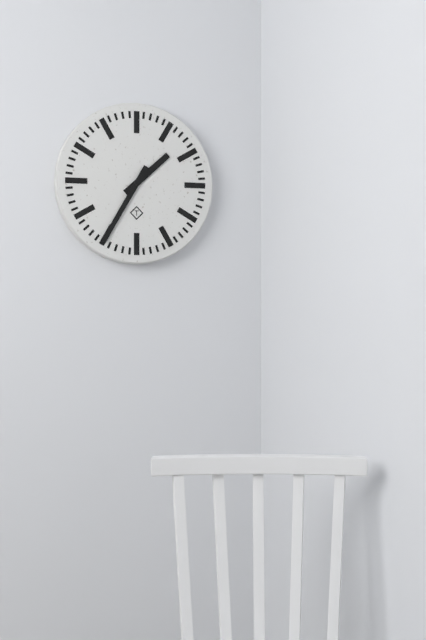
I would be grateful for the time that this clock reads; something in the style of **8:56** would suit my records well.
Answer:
**1:35**
